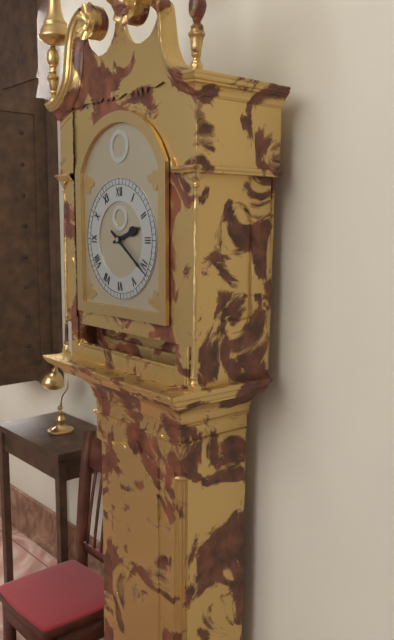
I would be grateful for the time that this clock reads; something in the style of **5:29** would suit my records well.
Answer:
**2:21**
